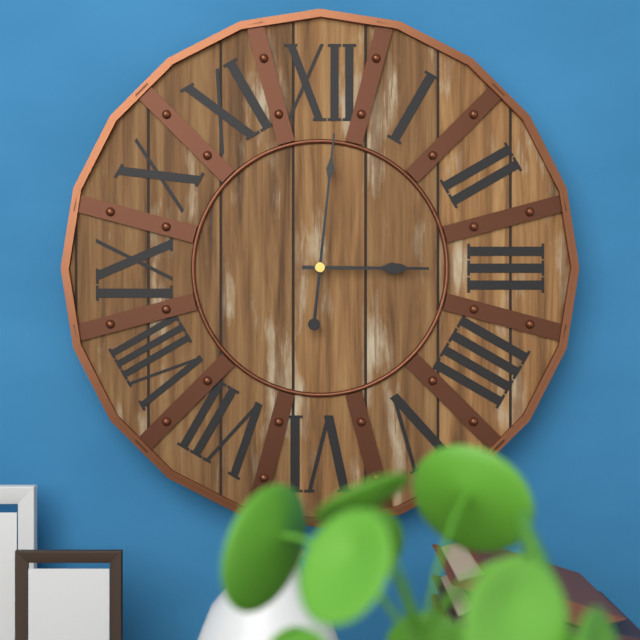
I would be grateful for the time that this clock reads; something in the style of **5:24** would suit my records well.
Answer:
**3:01**
